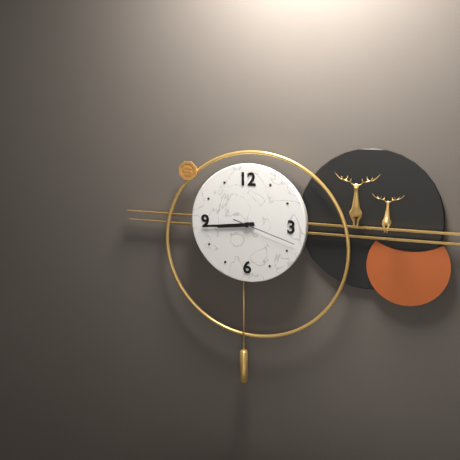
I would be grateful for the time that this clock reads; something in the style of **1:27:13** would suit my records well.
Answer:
**8:44:18**
